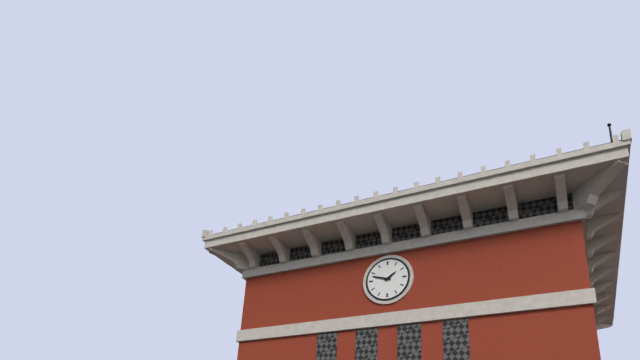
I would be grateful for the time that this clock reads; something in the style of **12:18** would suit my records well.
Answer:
**1:48**
